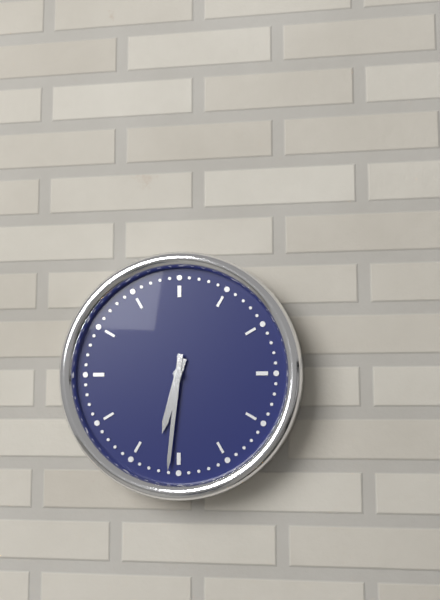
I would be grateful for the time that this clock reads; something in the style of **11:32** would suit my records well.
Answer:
**6:31**
